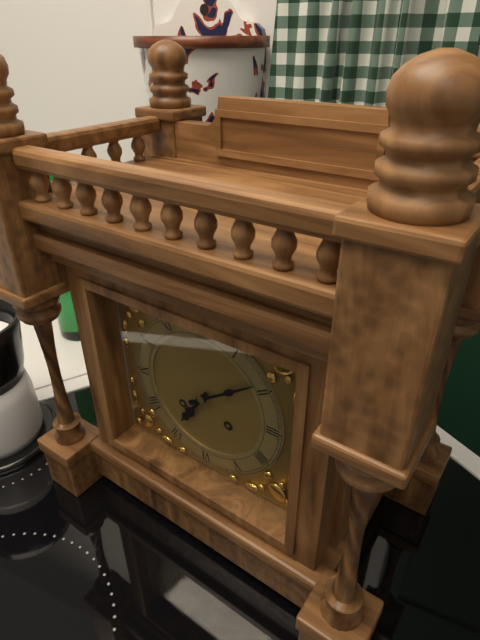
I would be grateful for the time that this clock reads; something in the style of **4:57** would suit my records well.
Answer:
**7:09**
